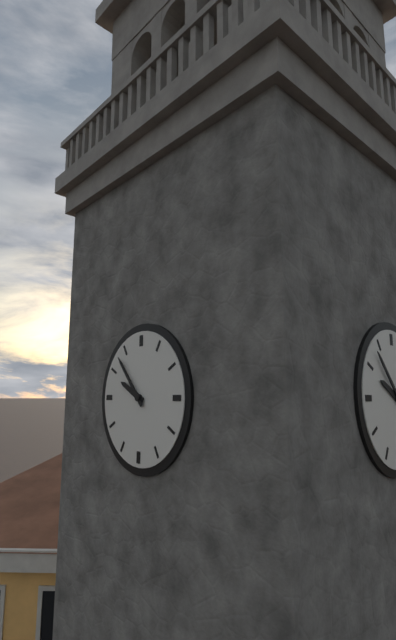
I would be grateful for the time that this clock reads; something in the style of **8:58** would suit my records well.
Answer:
**9:53**
